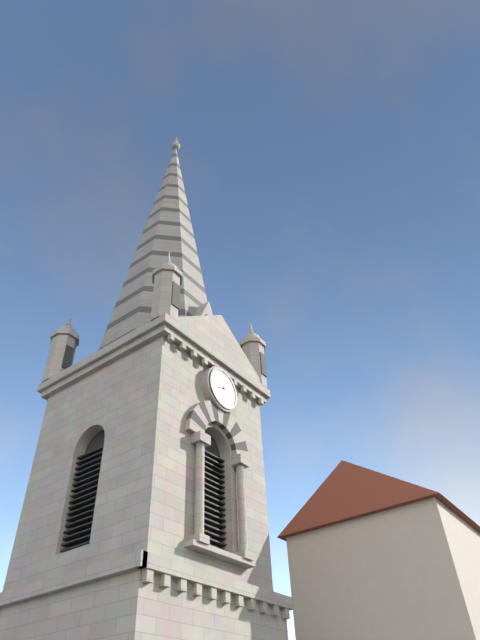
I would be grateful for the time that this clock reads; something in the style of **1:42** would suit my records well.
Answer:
**8:28**
